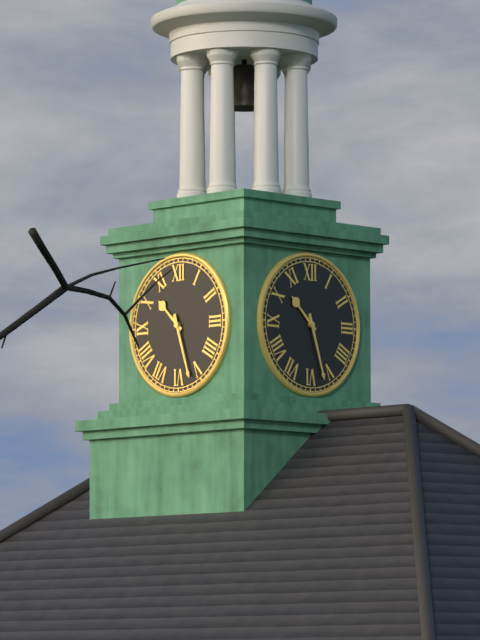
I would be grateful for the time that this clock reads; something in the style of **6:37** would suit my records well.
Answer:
**10:27**
